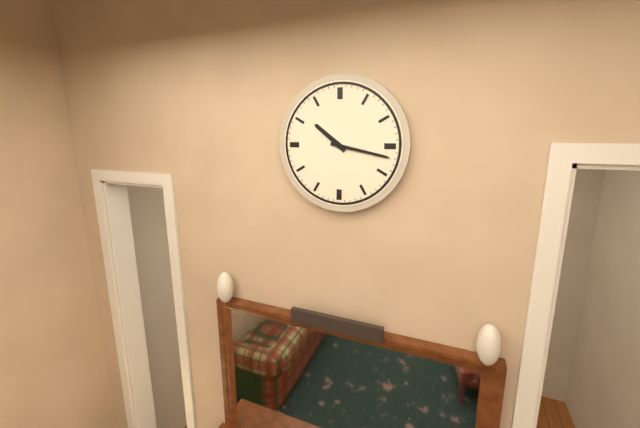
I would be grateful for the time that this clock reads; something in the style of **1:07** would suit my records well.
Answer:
**10:17**
